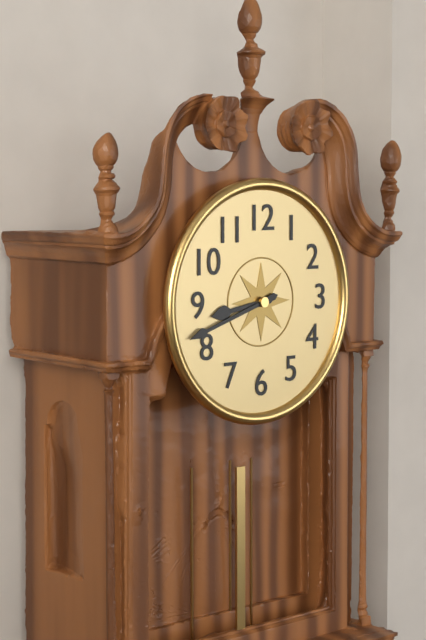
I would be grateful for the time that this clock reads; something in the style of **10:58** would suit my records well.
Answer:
**8:42**
